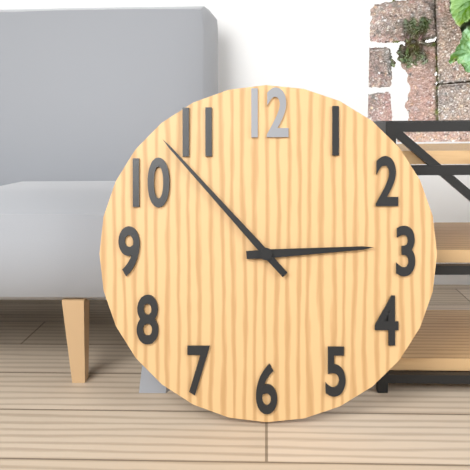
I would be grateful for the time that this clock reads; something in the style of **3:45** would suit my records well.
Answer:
**2:53**
